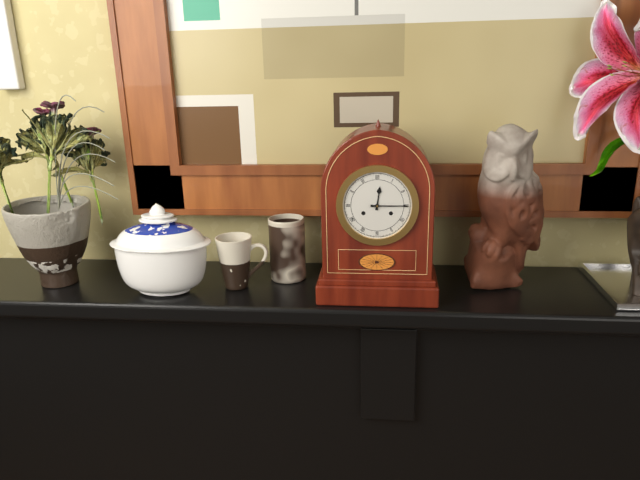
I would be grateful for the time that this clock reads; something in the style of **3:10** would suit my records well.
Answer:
**12:15**
